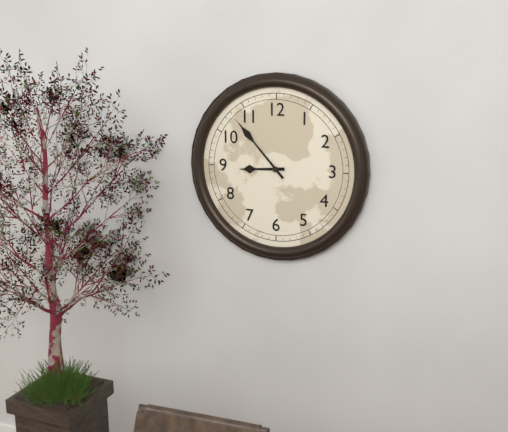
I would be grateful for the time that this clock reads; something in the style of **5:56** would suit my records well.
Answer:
**8:53**
